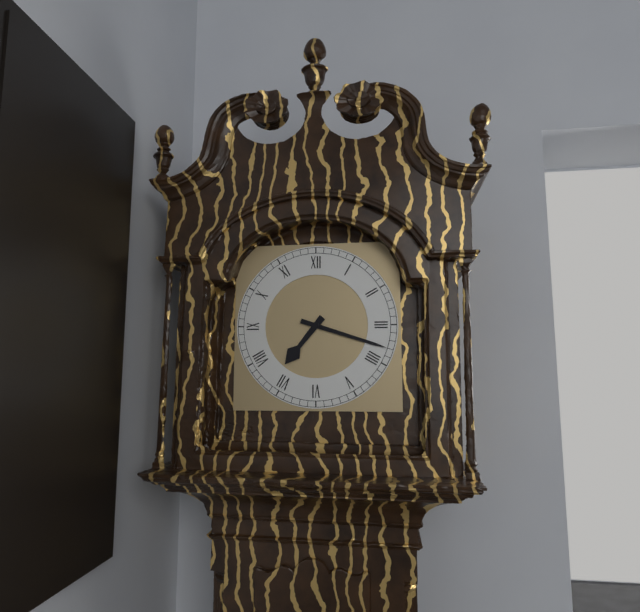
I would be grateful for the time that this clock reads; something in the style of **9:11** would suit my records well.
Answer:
**7:18**
